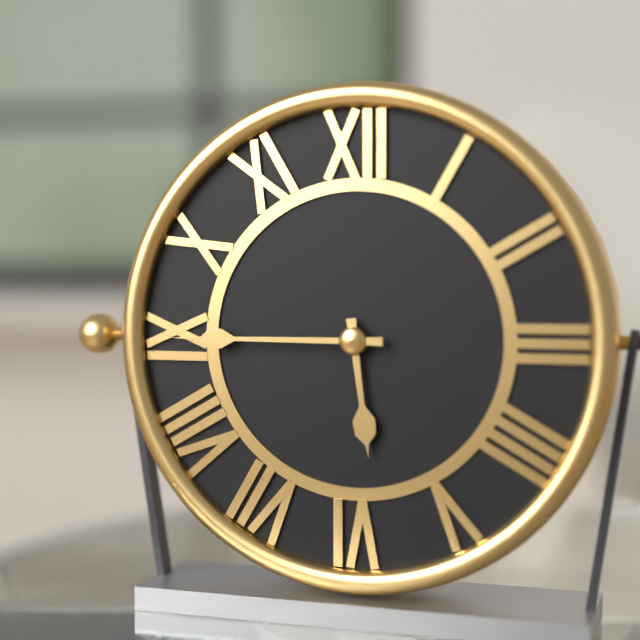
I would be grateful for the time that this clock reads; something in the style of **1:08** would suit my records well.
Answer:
**5:45**
